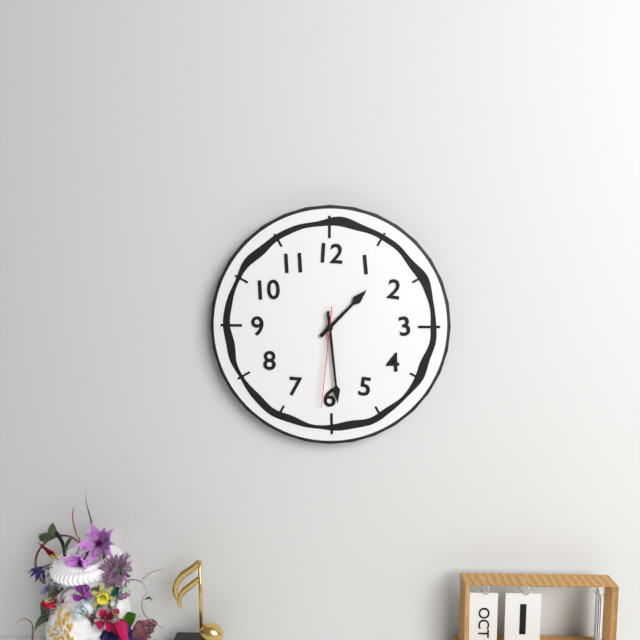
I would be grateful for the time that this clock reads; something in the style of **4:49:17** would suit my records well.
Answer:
**1:29:31**
